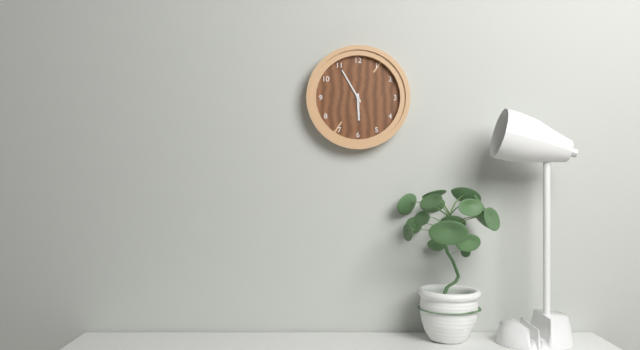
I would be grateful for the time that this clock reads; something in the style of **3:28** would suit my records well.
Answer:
**5:55**
